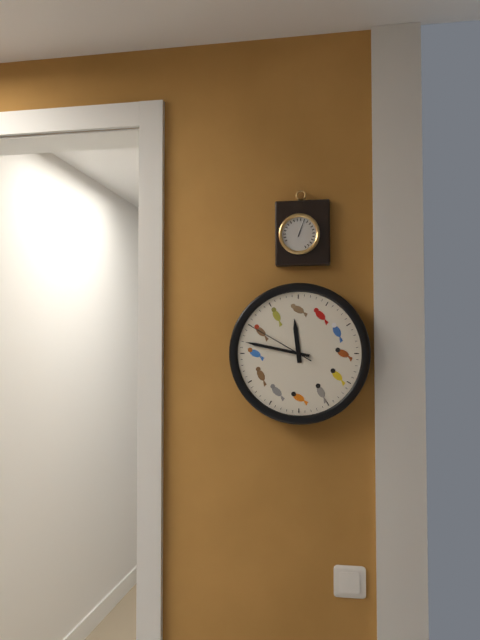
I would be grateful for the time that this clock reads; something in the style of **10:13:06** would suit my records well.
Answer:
**11:47:50**
